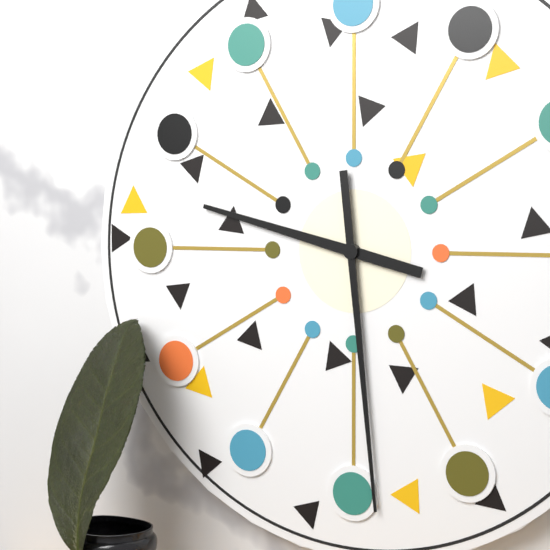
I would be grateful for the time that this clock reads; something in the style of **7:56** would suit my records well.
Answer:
**9:29**
